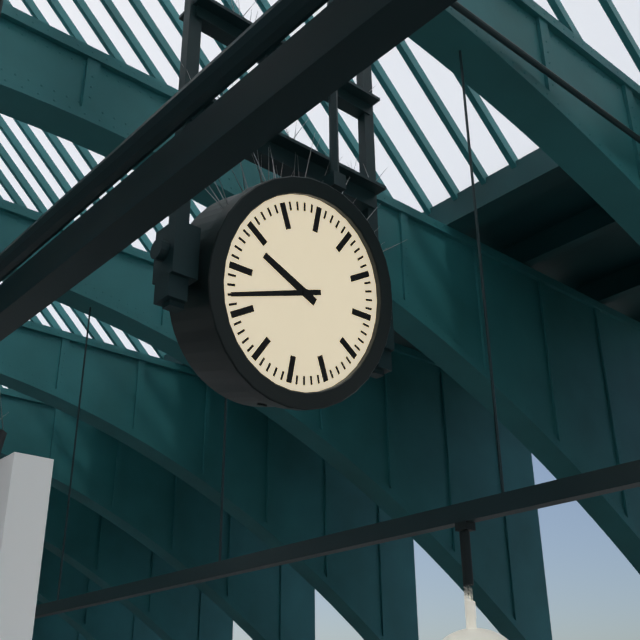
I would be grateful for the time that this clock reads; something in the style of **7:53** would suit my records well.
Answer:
**9:42**
